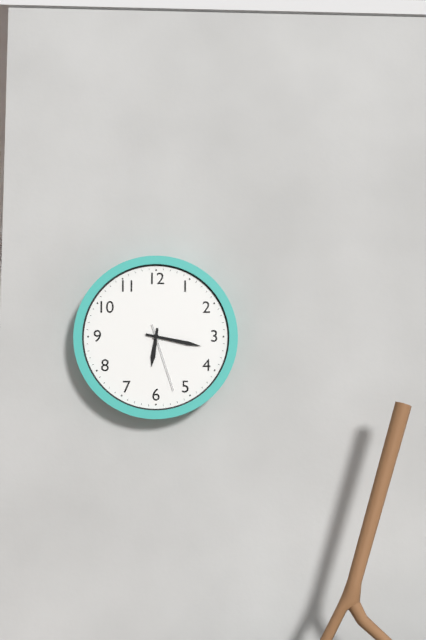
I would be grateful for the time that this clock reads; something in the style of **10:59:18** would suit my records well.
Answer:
**6:17:27**
